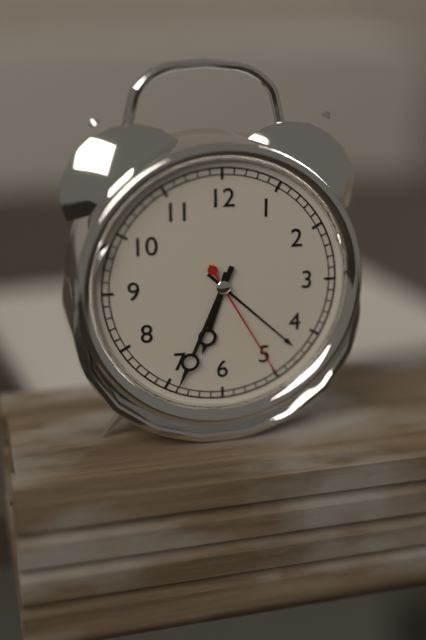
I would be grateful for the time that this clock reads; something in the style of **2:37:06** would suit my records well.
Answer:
**6:34:25**
